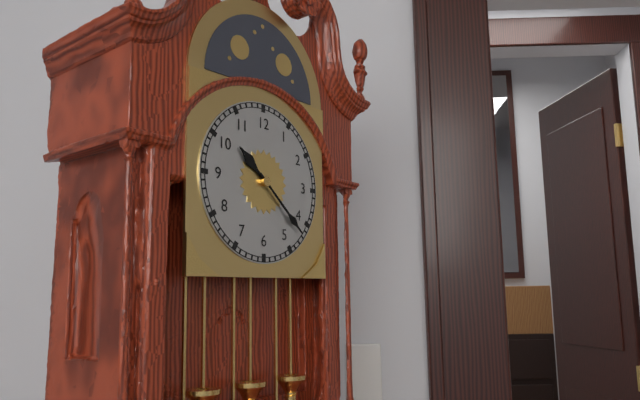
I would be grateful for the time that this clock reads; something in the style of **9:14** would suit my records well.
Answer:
**10:22**
